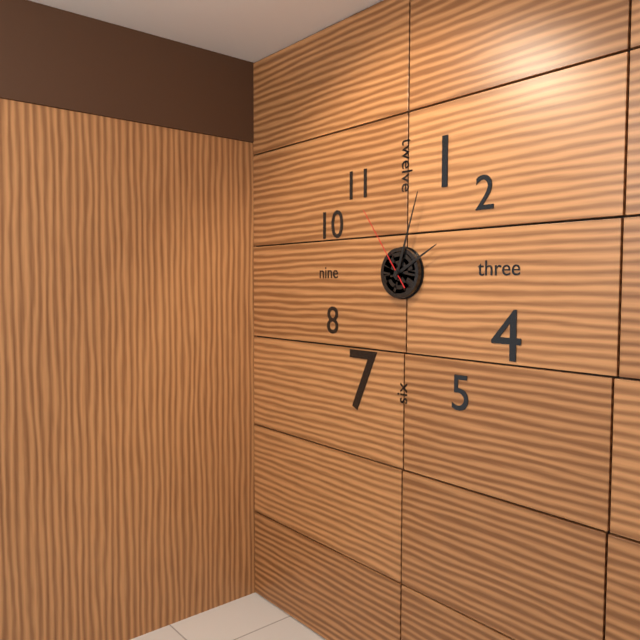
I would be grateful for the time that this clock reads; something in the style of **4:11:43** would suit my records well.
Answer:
**2:03:54**
